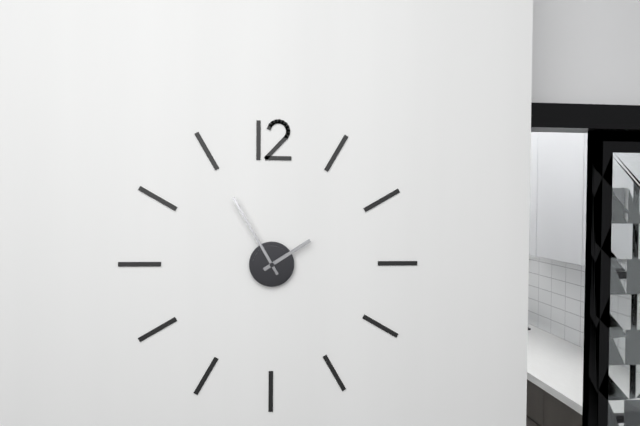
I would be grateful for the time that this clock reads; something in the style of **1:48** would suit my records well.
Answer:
**1:55**
